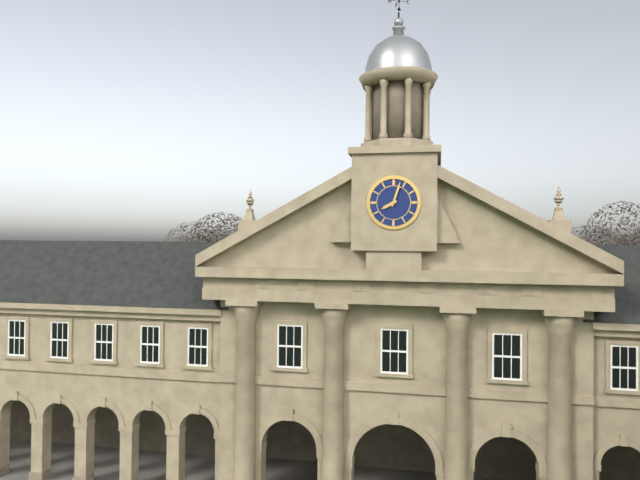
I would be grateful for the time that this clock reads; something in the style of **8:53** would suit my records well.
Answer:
**8:03**
